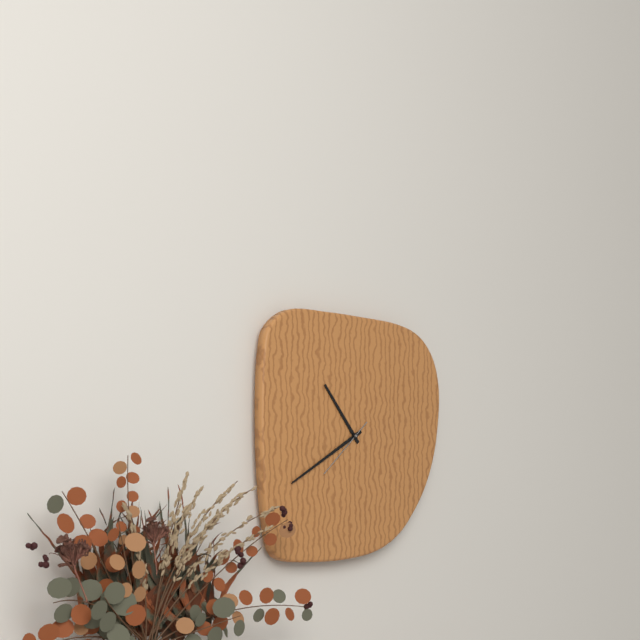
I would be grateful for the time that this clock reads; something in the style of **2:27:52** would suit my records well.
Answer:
**10:40:38**
